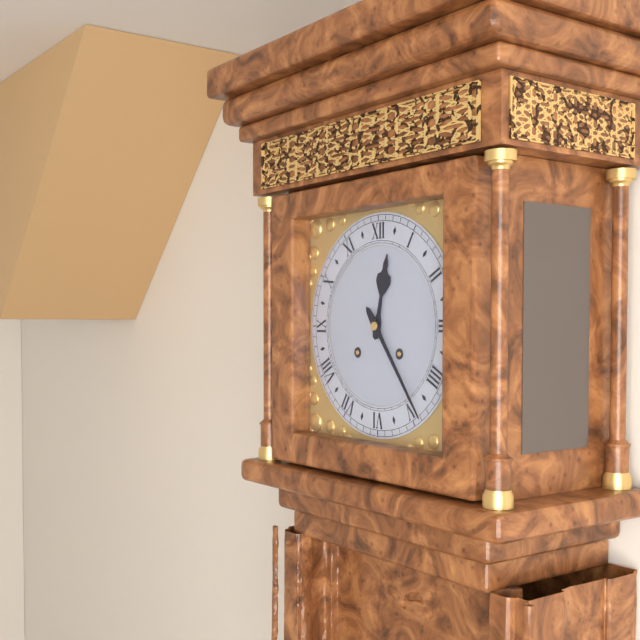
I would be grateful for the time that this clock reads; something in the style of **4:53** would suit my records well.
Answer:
**12:24**
